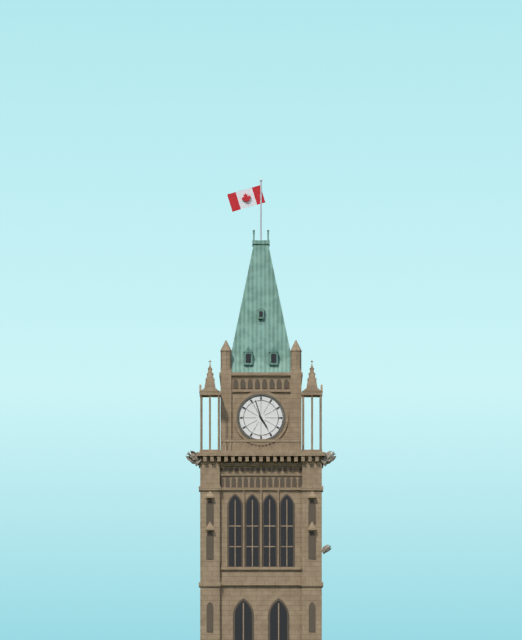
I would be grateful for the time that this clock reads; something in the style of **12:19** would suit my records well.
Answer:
**4:57**
